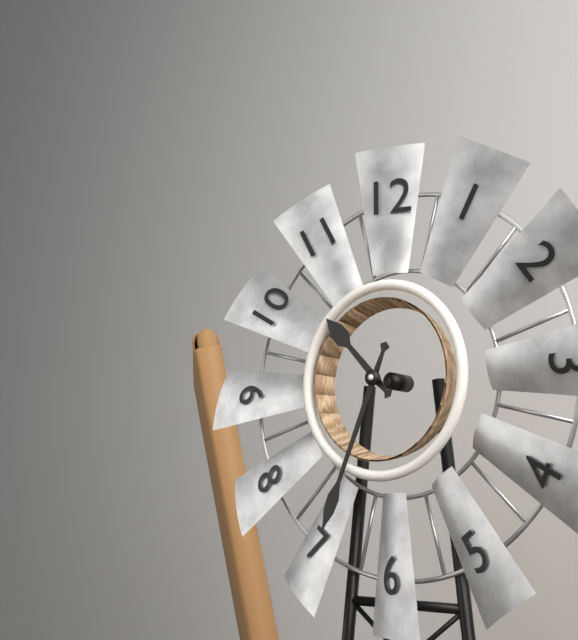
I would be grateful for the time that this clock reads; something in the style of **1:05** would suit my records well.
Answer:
**10:34**
